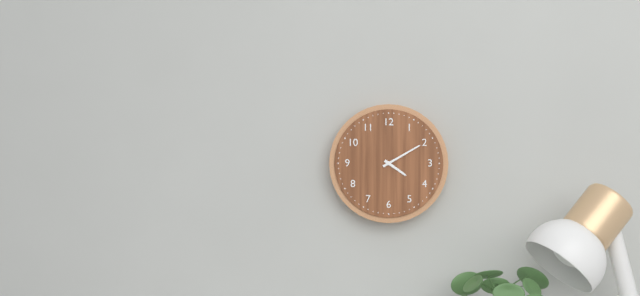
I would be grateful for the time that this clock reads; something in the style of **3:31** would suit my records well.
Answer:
**4:10**
